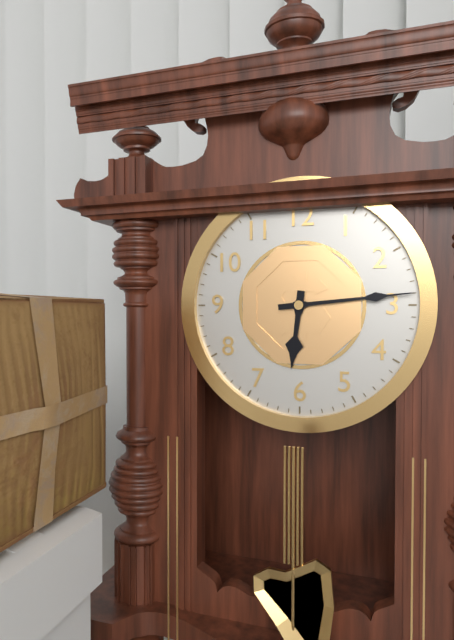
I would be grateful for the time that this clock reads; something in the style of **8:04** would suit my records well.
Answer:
**6:14**
